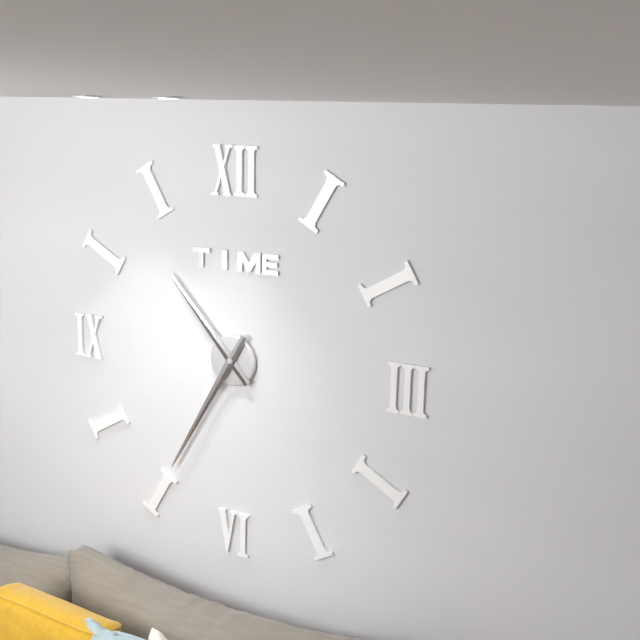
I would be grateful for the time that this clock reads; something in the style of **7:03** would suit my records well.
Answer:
**10:35**
